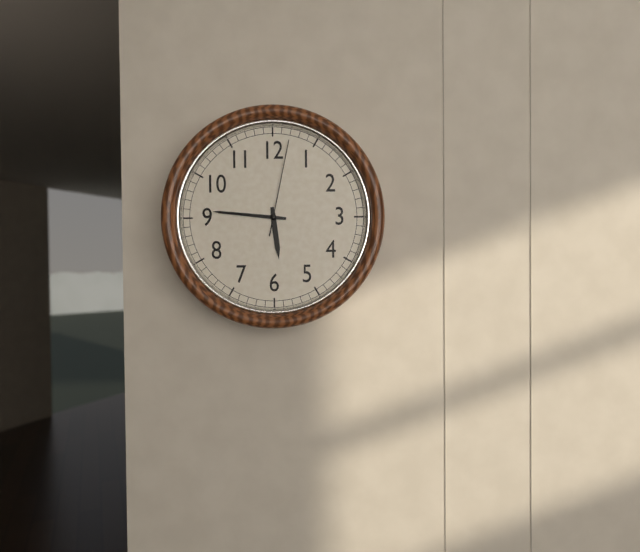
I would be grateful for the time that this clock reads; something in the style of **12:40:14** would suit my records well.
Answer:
**5:46:02**
